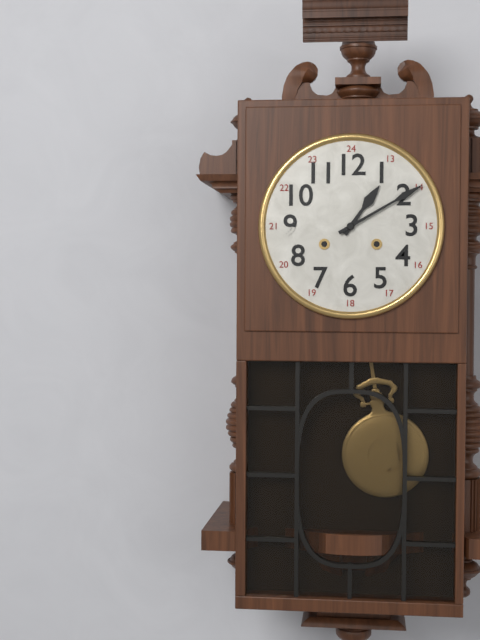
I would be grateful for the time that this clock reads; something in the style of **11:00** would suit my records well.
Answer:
**1:10**
